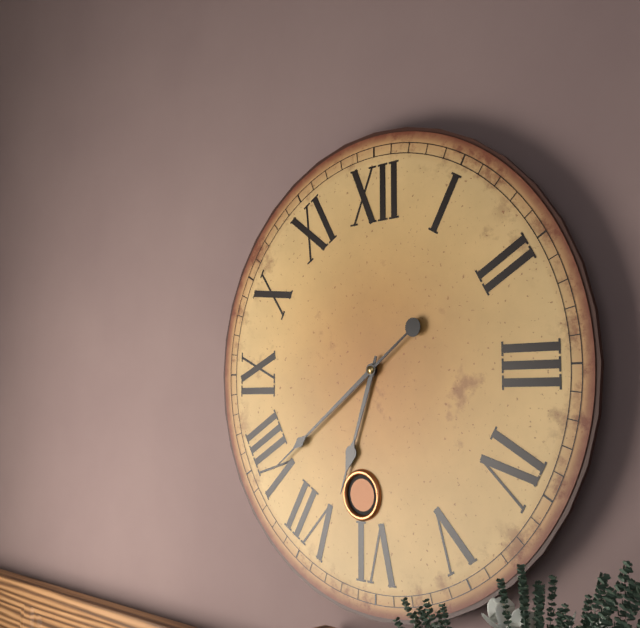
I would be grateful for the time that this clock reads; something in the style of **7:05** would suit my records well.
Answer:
**6:39**
